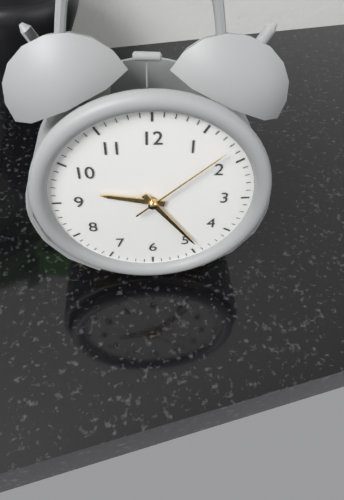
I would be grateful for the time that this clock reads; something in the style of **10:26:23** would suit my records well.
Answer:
**9:24:08**
